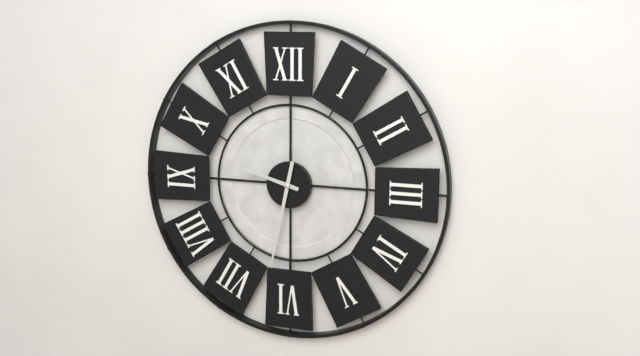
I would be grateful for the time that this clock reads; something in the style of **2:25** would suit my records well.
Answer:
**9:32**
